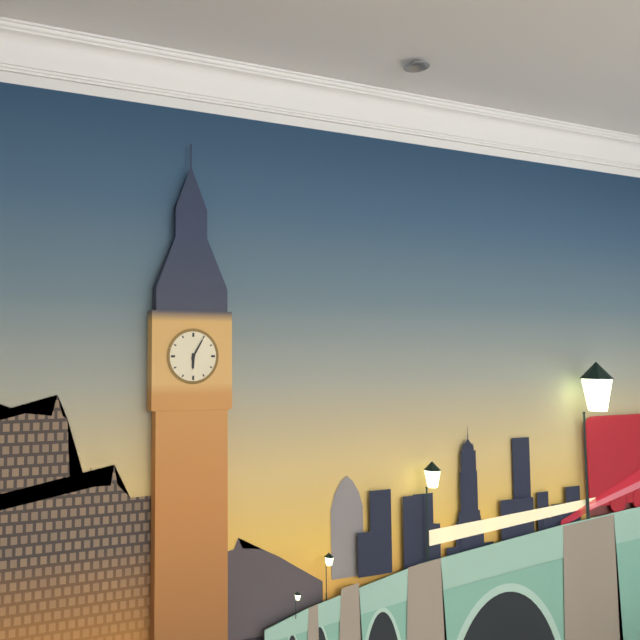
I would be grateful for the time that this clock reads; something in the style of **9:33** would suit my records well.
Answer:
**6:05**
